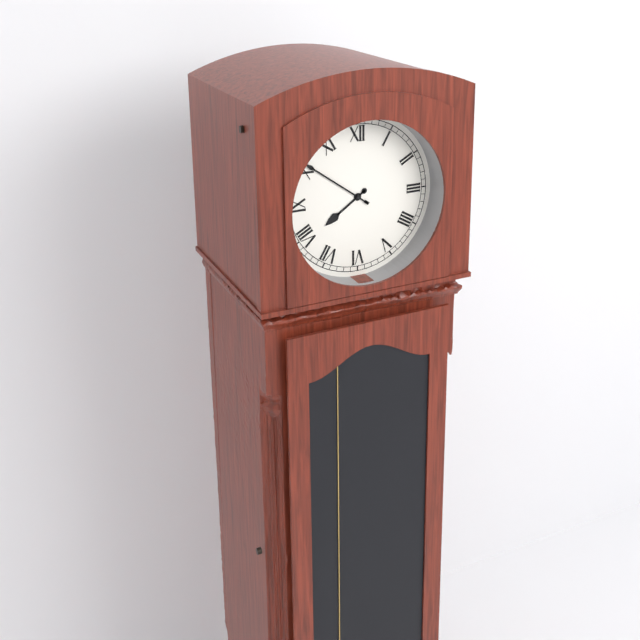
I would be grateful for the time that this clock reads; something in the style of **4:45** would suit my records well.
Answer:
**7:51**
